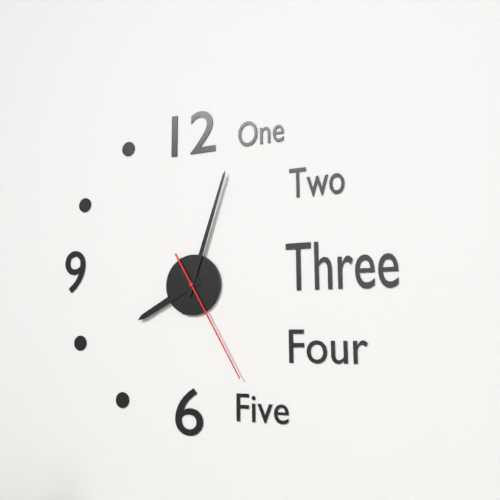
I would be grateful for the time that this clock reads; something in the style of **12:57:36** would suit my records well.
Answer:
**8:03:25**
